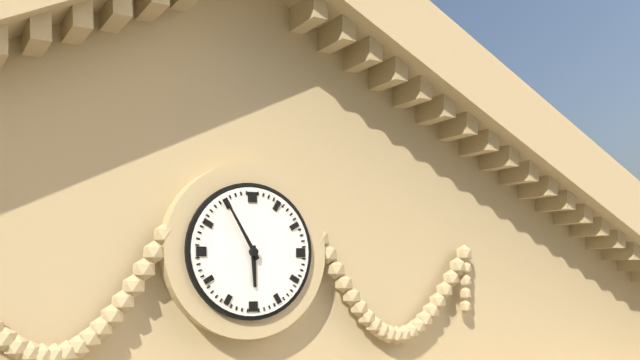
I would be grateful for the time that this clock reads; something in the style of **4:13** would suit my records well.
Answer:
**5:55**
